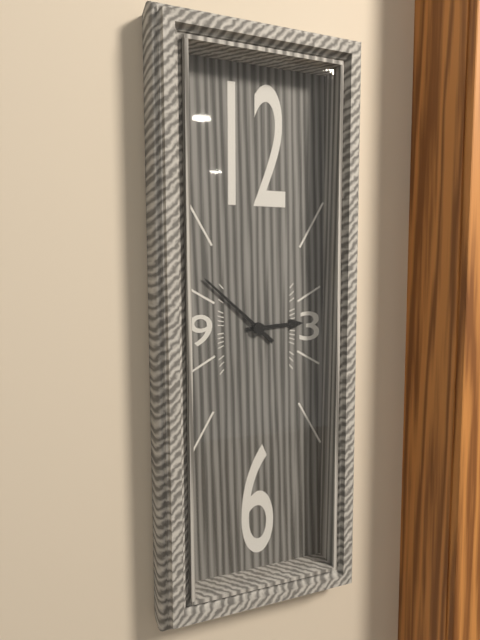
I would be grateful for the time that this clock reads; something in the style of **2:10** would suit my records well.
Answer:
**2:52**
